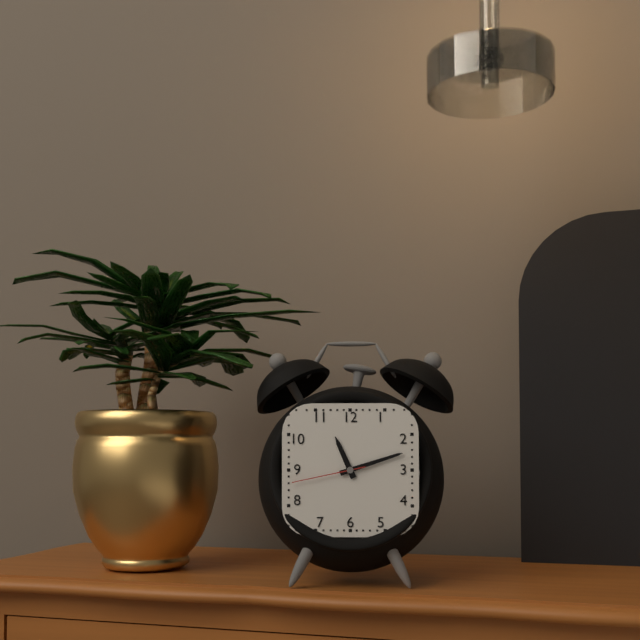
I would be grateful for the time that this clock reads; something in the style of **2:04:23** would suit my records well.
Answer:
**11:12:43**
